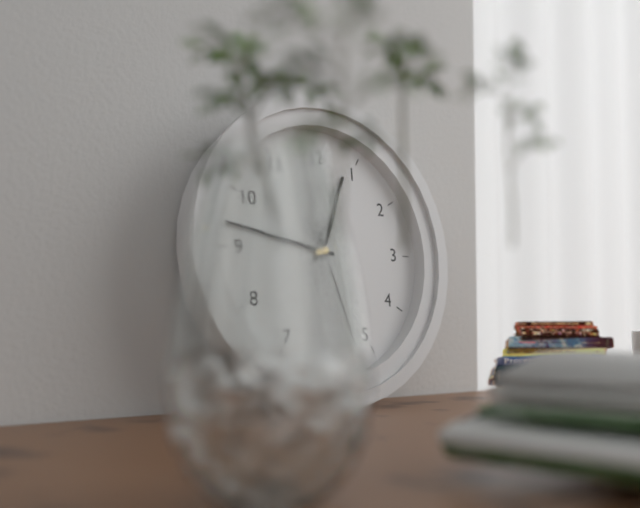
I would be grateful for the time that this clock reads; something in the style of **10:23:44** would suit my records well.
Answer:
**12:47:27**
